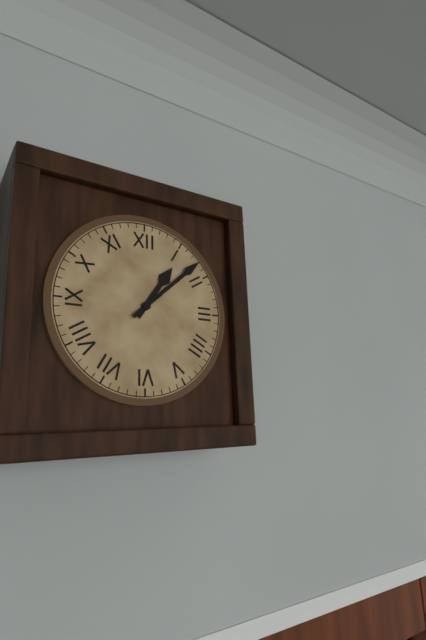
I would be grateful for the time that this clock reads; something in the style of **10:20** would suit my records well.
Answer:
**1:08**
